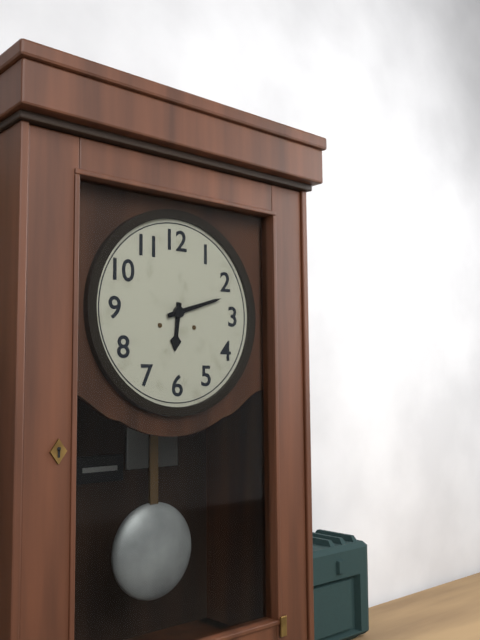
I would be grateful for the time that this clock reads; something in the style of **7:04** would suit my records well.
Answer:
**6:12**
